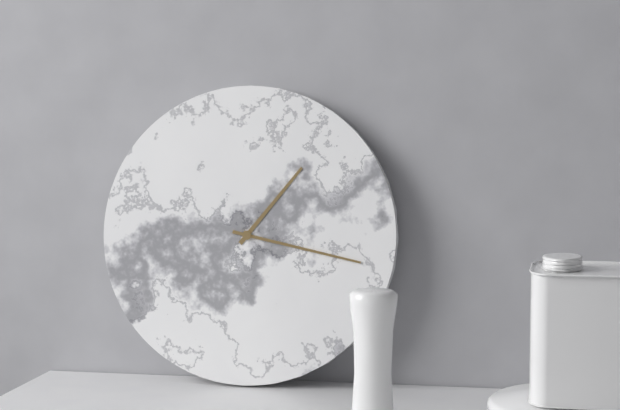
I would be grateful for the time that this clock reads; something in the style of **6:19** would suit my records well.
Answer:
**1:17**
